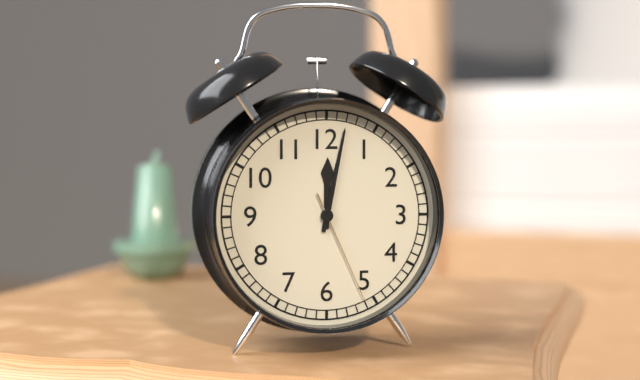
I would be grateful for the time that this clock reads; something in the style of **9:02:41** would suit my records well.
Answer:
**12:02:26**
